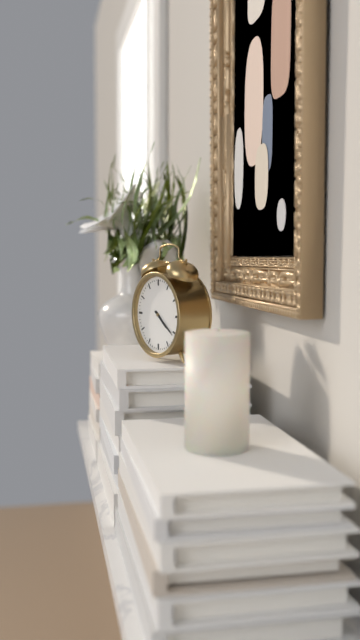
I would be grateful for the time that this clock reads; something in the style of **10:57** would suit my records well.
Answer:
**4:21**
